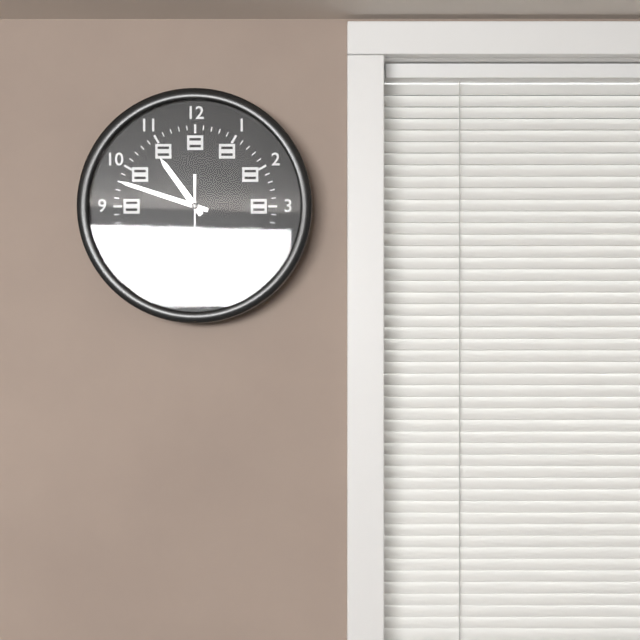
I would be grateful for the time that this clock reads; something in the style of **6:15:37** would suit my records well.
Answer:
**10:48:30**
